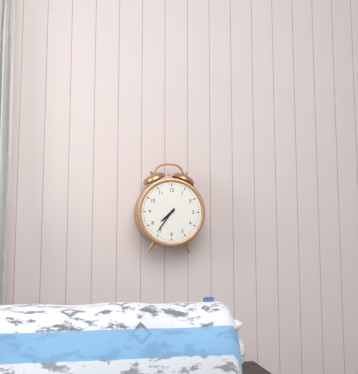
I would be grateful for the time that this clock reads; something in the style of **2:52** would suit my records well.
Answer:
**7:36**
